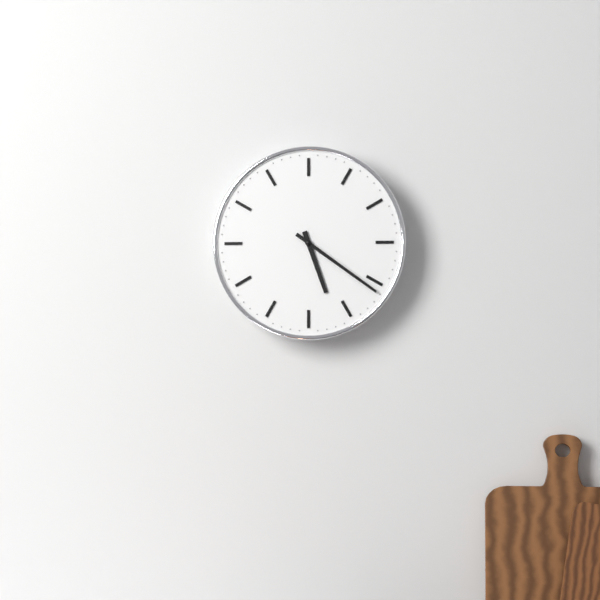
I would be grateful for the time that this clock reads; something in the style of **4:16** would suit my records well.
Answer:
**5:21**
